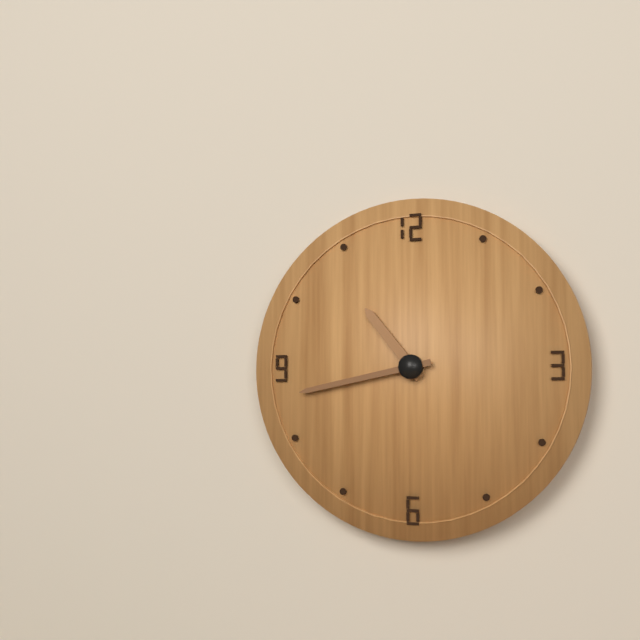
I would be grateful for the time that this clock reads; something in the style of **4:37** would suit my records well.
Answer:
**10:43**
